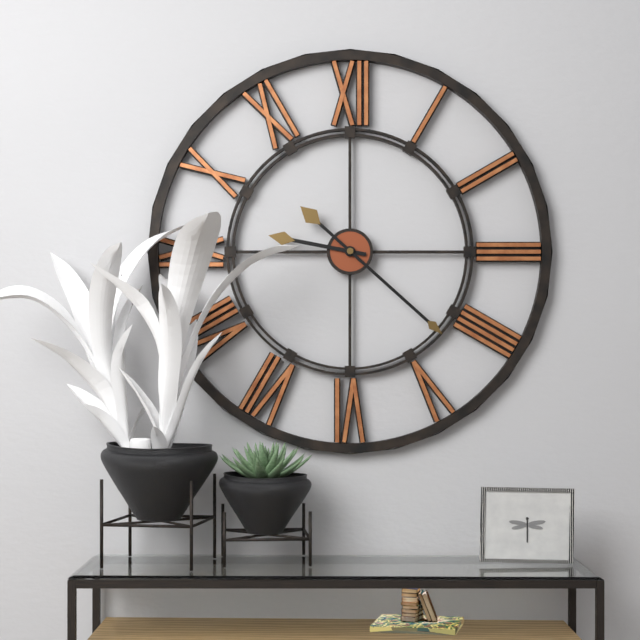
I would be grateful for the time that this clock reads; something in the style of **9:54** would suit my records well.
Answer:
**9:22**
